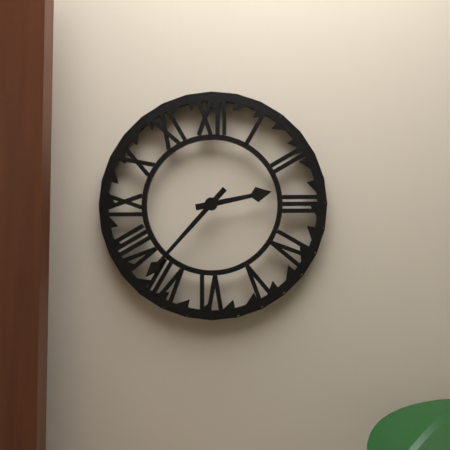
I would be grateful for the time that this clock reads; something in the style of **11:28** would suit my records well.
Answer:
**2:37**
